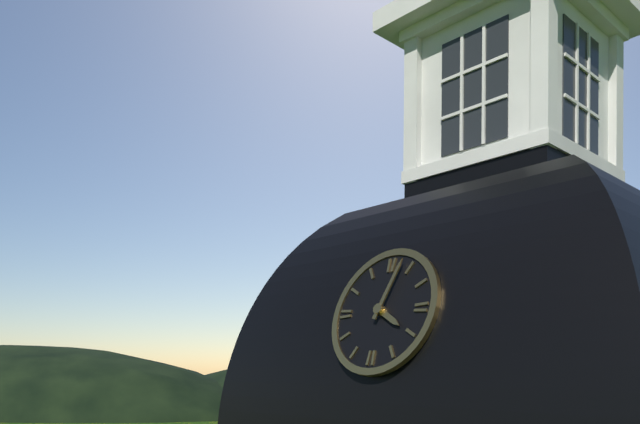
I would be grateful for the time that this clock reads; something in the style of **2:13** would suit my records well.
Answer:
**4:03**
